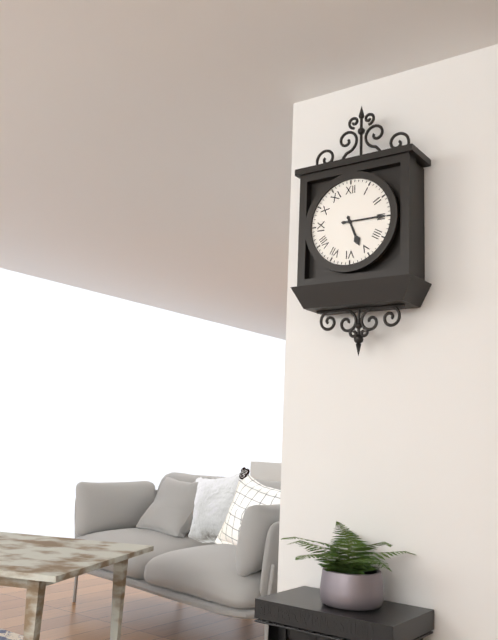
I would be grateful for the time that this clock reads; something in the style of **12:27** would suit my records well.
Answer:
**5:15**
